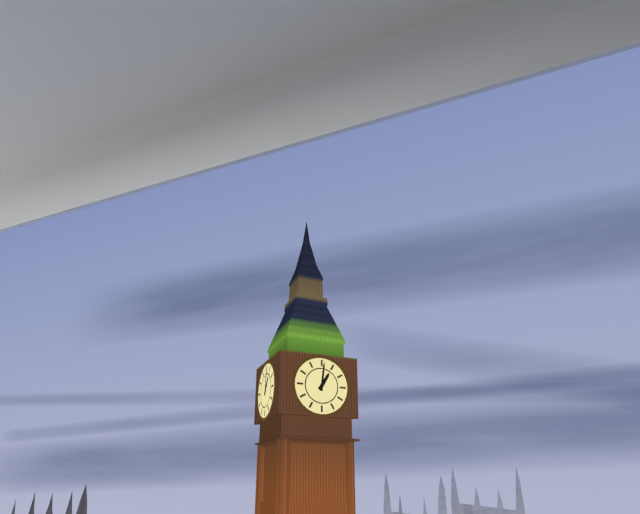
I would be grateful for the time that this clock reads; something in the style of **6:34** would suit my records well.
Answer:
**1:01**
